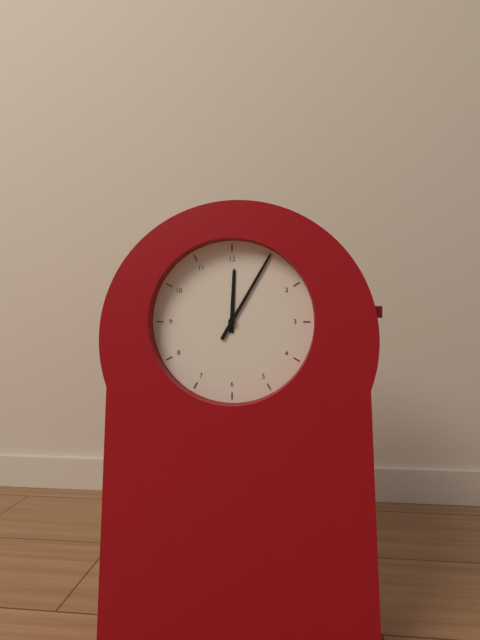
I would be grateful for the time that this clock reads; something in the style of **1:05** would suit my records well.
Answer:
**12:05**
